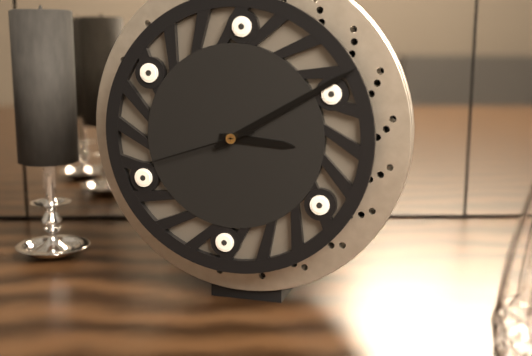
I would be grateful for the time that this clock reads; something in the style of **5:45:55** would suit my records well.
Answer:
**3:10:42**
